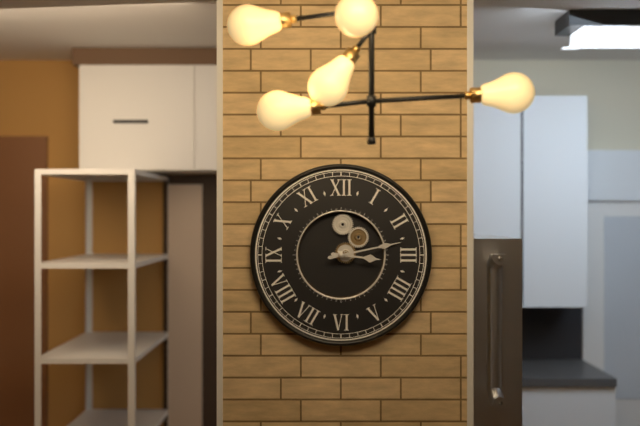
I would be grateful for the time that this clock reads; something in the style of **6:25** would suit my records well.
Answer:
**3:13**
